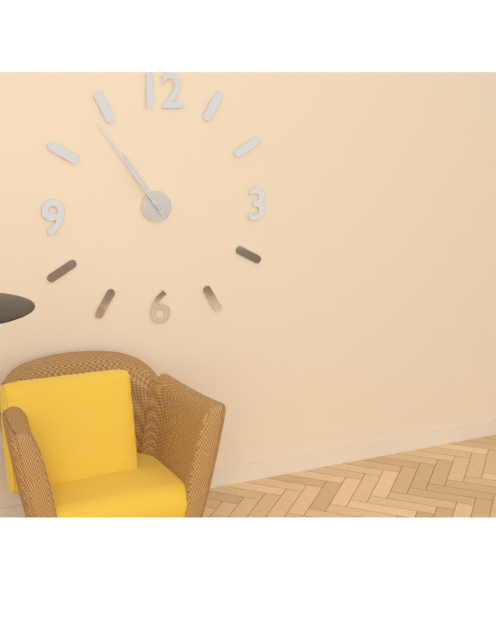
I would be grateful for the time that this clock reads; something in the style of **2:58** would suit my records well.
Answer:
**10:54**
